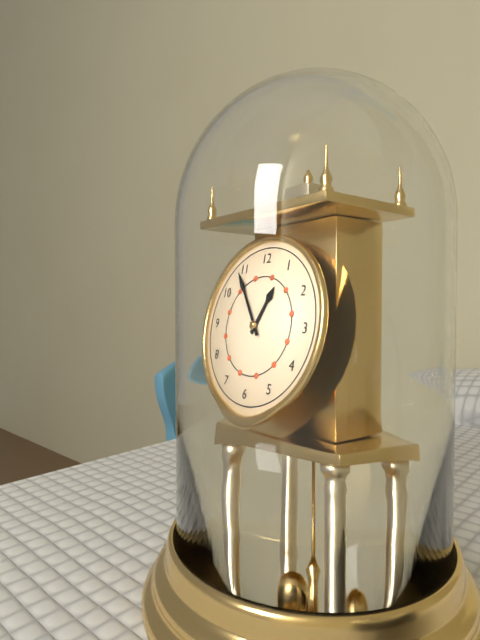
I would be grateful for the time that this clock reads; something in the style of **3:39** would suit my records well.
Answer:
**12:54**
